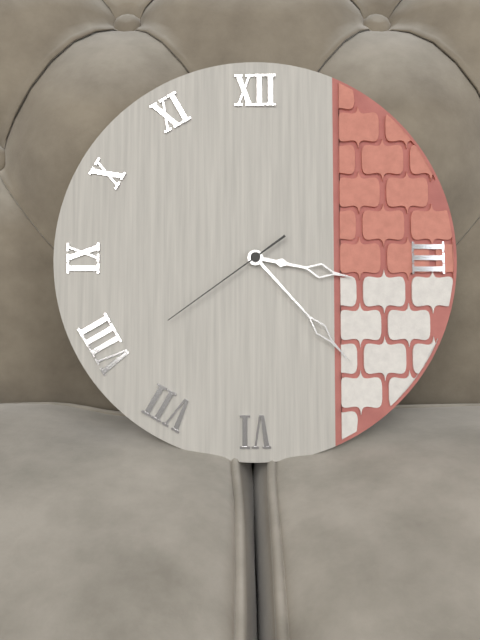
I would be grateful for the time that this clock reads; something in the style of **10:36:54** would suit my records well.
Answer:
**3:23:39**
